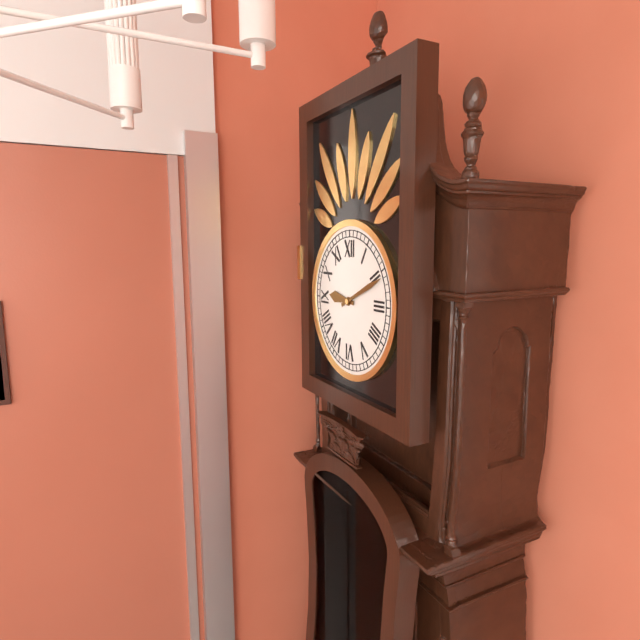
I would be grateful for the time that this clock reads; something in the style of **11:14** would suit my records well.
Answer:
**9:11**
